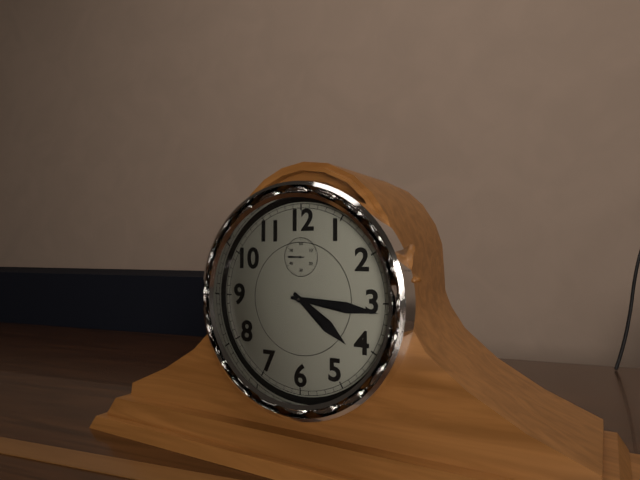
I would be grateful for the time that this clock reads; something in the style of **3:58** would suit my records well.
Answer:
**4:16**
